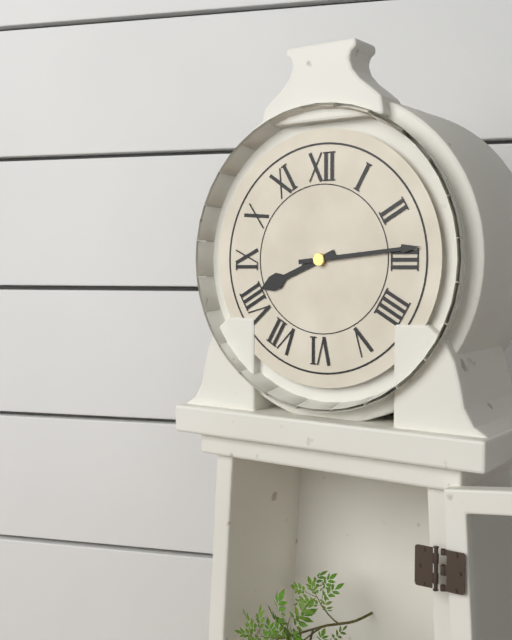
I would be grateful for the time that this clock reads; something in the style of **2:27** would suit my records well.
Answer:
**8:14**
